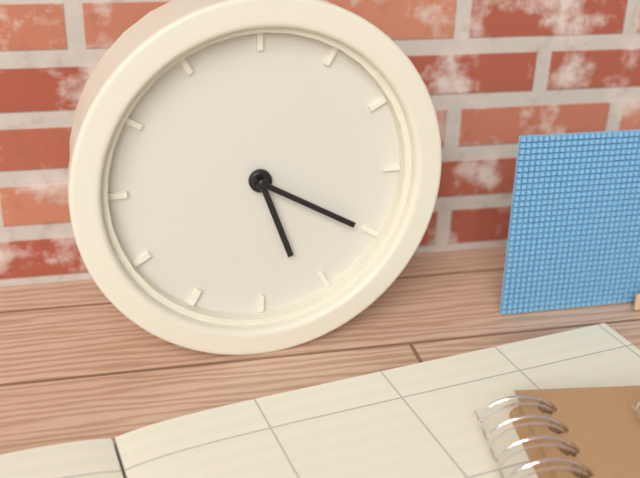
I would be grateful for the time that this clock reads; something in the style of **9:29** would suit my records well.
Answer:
**5:20**
